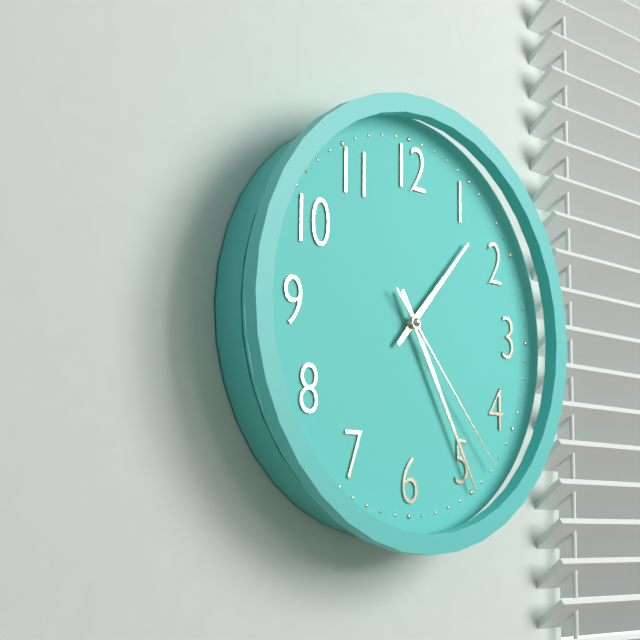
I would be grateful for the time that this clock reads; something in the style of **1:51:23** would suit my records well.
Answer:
**1:25:23**
